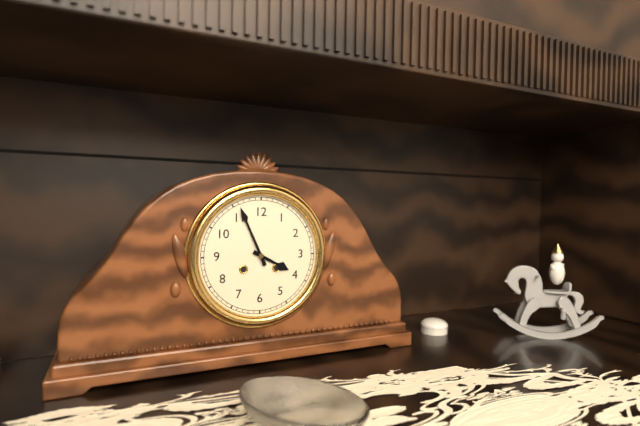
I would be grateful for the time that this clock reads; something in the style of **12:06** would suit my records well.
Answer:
**3:56**
